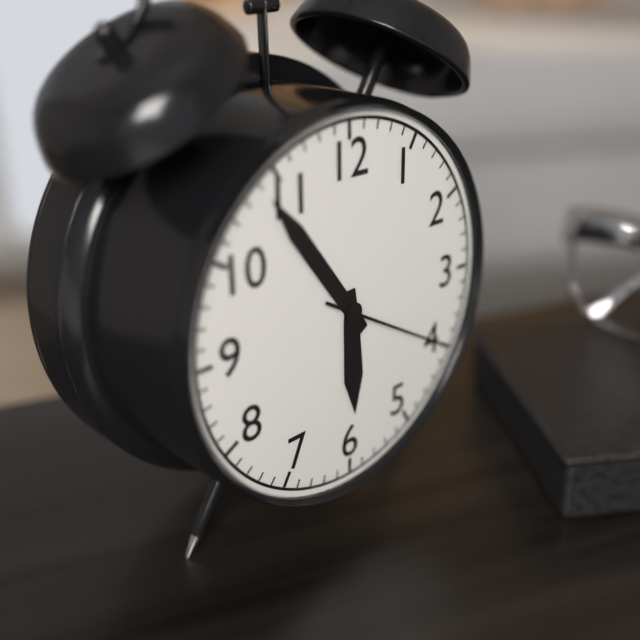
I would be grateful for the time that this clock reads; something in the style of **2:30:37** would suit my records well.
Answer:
**5:54:20**
